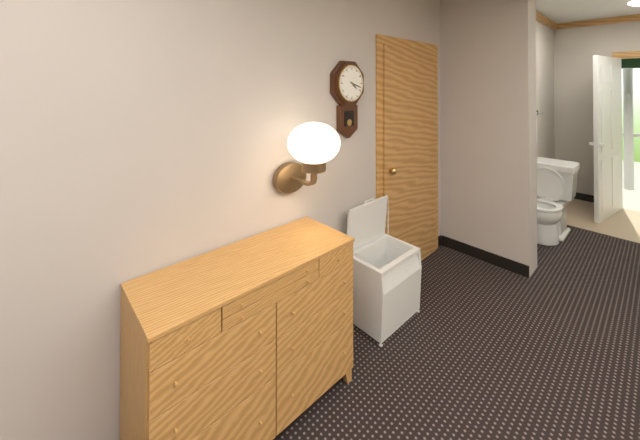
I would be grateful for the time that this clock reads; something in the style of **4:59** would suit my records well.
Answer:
**4:18**
